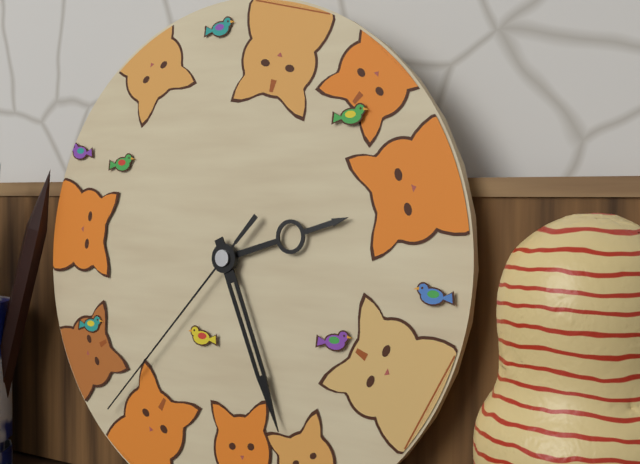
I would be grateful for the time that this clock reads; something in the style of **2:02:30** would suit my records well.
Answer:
**2:26:37**
